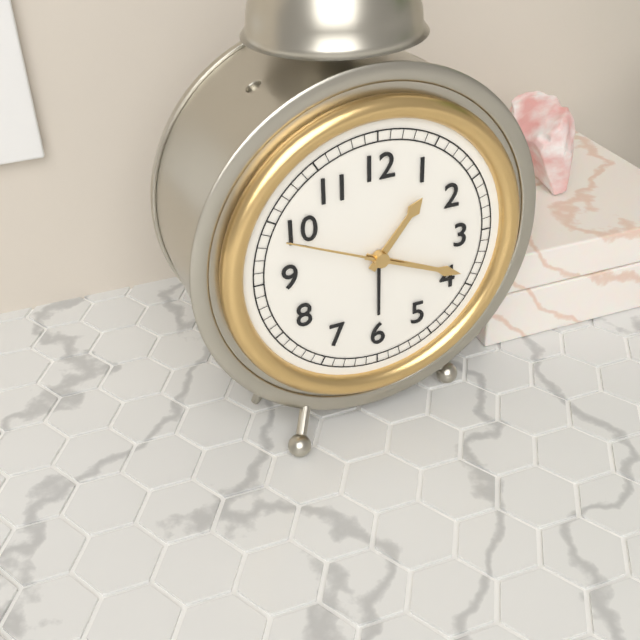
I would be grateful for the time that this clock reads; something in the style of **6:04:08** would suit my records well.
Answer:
**1:19:49**
